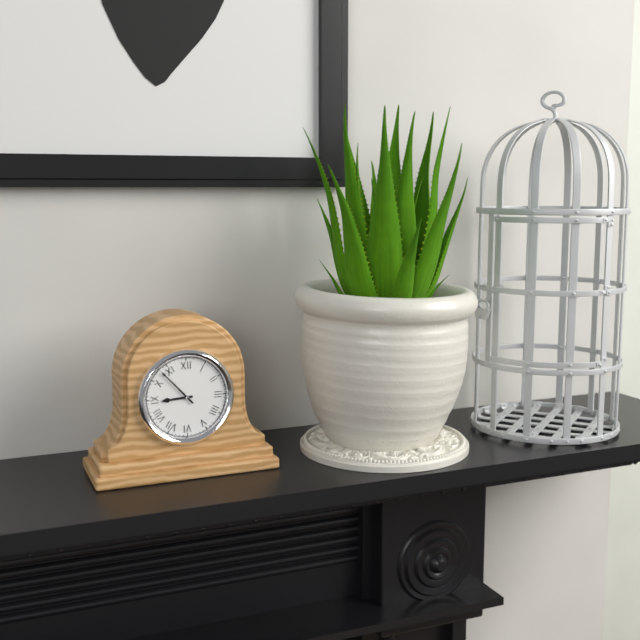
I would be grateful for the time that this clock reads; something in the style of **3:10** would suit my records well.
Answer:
**8:53**
